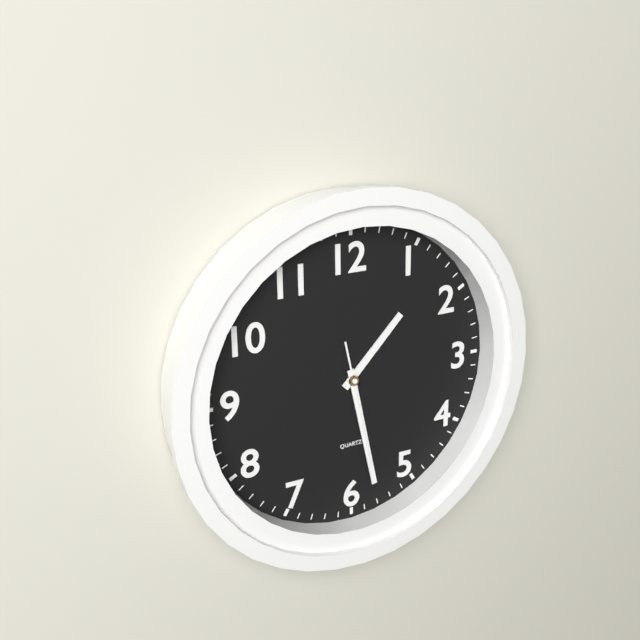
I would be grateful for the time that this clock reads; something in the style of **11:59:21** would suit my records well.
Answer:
**1:28:28**
